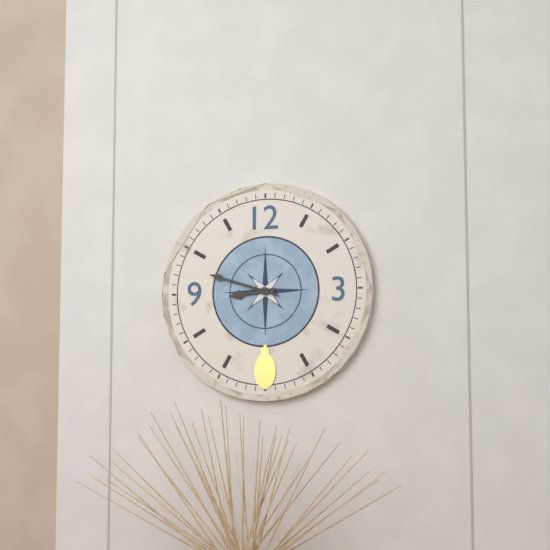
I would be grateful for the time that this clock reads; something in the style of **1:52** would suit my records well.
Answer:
**8:48**
